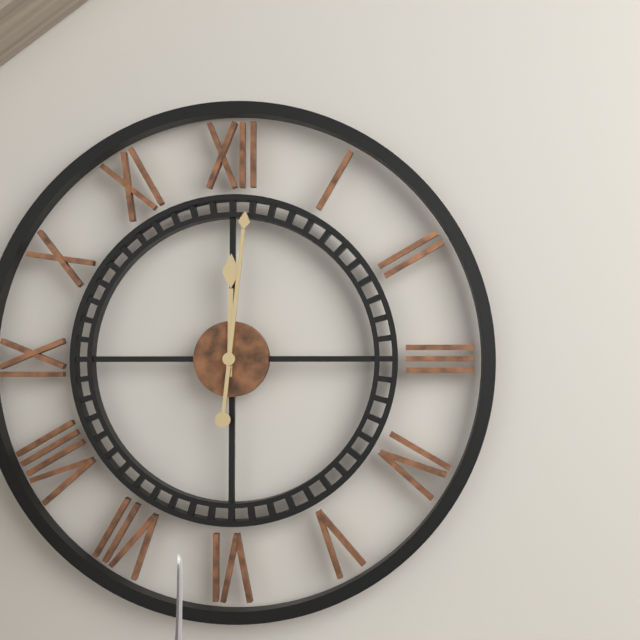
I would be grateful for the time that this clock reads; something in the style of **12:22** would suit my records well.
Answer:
**12:01**
